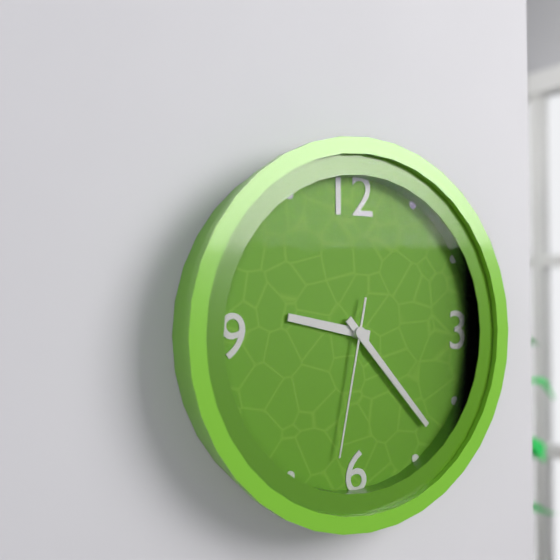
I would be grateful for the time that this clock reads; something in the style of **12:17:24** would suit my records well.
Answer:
**9:23:32**
